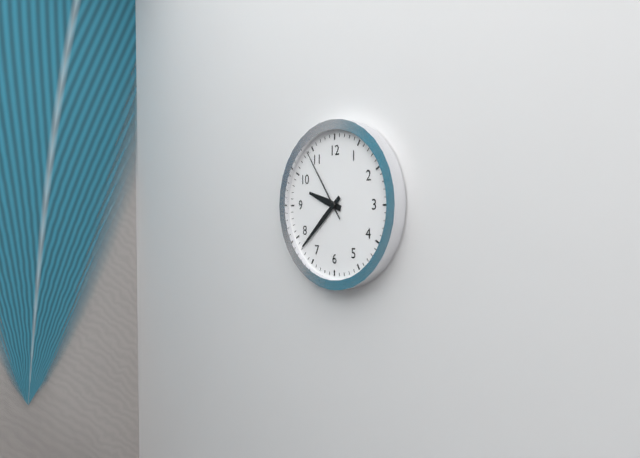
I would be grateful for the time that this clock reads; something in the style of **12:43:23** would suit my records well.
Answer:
**9:38:54**
